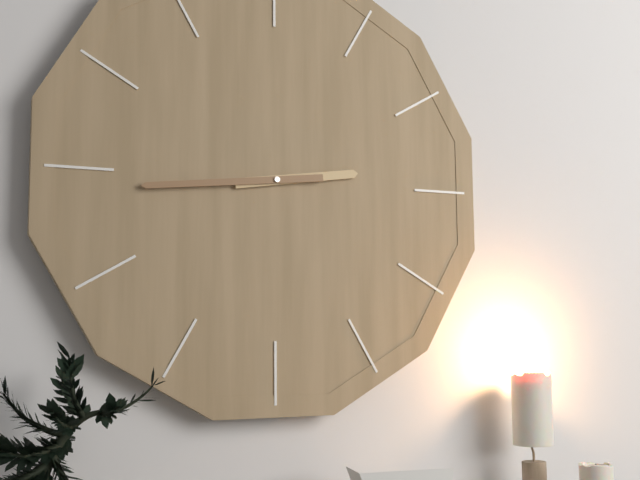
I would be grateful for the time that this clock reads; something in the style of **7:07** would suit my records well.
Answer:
**2:44**
